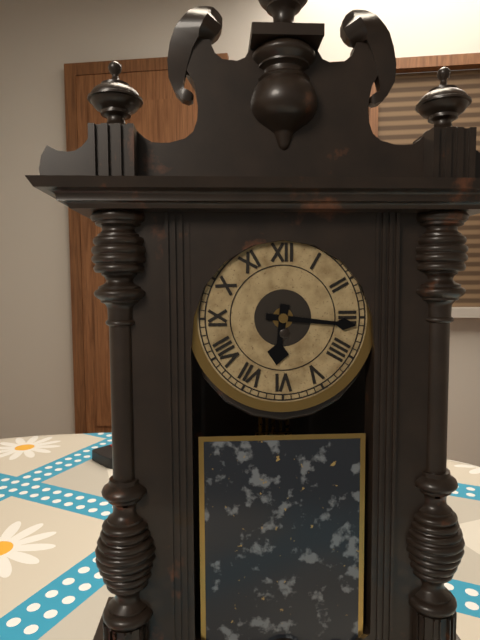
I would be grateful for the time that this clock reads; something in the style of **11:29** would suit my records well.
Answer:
**6:16**
